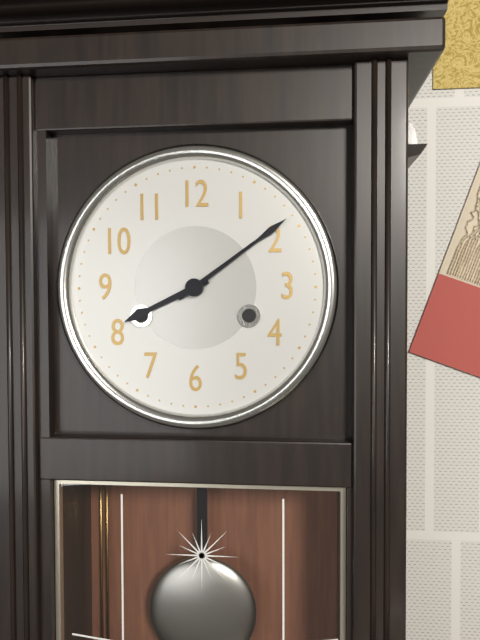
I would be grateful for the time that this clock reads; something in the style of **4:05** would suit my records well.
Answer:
**8:09**
